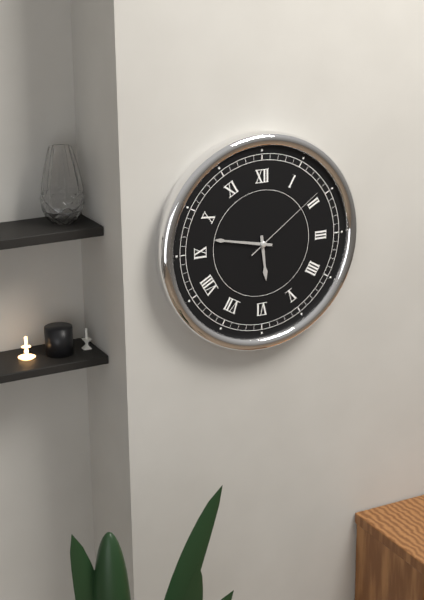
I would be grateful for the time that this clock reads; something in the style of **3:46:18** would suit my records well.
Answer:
**5:47:09**
